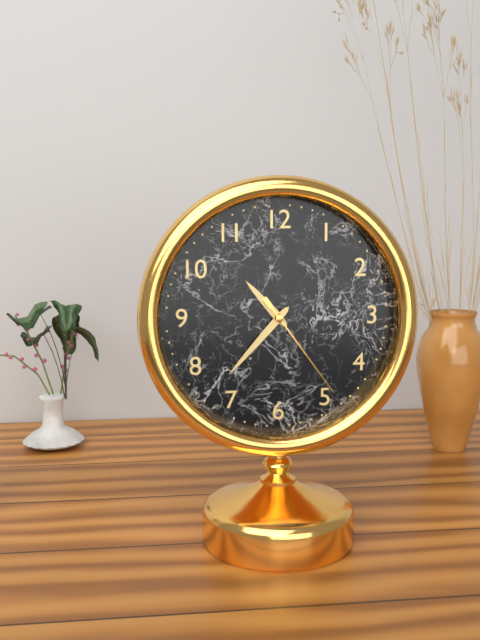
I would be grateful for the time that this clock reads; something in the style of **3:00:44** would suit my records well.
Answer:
**10:37:24**
